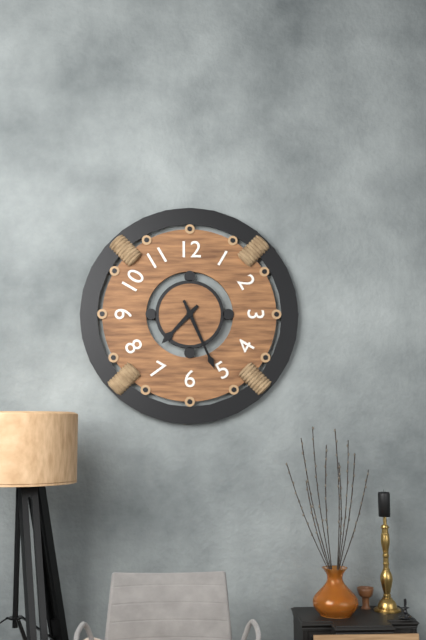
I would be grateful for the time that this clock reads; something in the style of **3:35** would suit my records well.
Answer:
**7:26**
